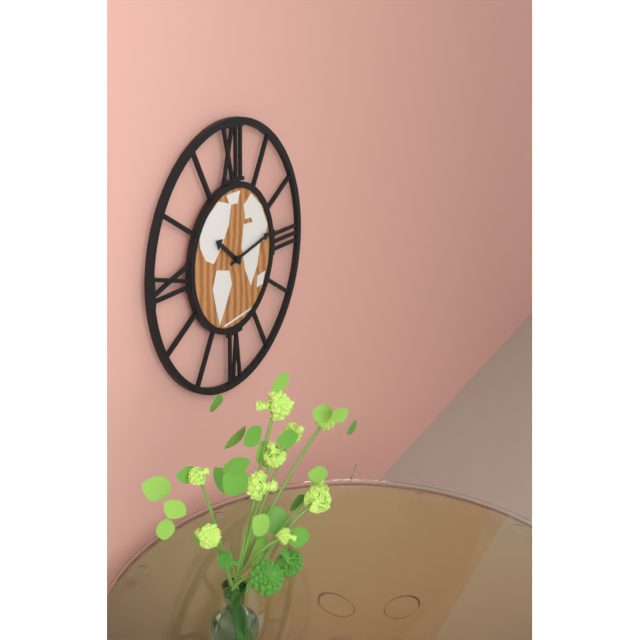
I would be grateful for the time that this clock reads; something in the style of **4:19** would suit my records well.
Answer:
**10:13**
